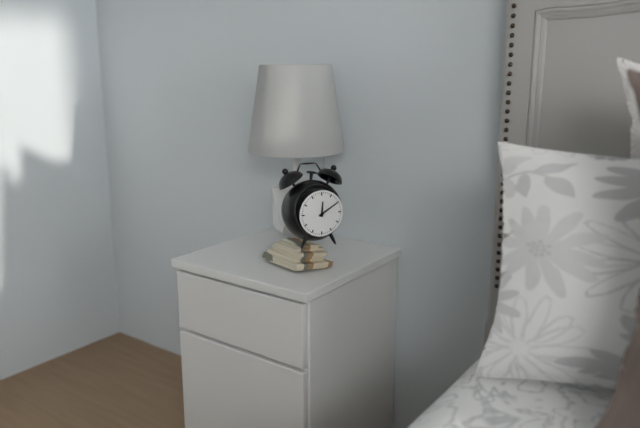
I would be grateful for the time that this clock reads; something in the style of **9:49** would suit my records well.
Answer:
**12:10**
